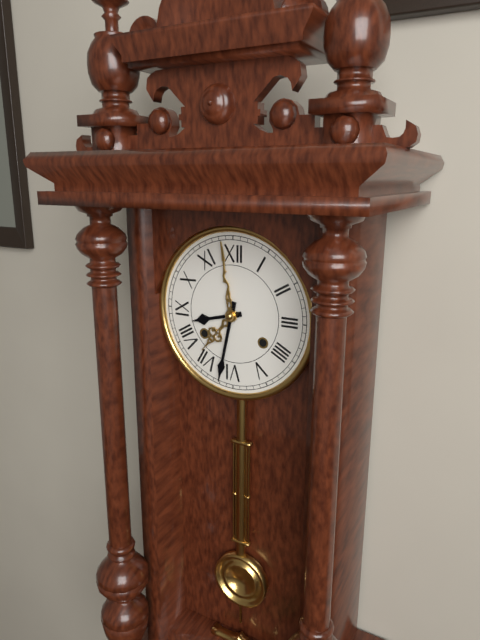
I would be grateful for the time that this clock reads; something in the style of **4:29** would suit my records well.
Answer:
**8:32**
